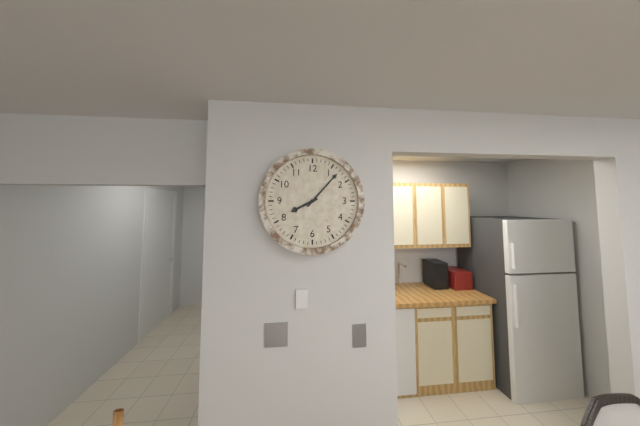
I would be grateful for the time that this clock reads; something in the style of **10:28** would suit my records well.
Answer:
**8:07**
